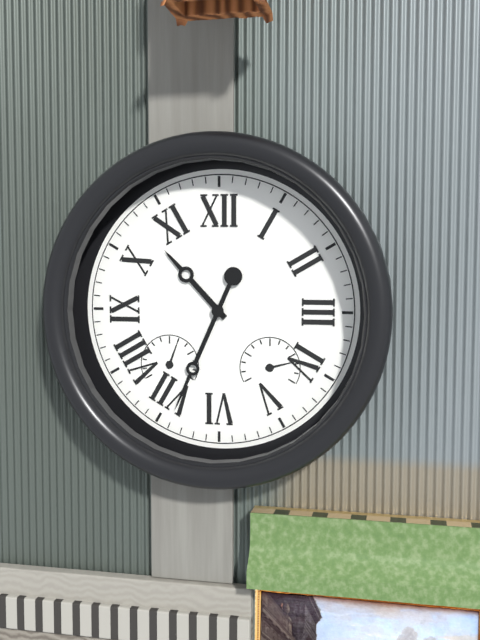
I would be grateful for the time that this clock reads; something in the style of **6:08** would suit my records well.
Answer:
**10:34**
